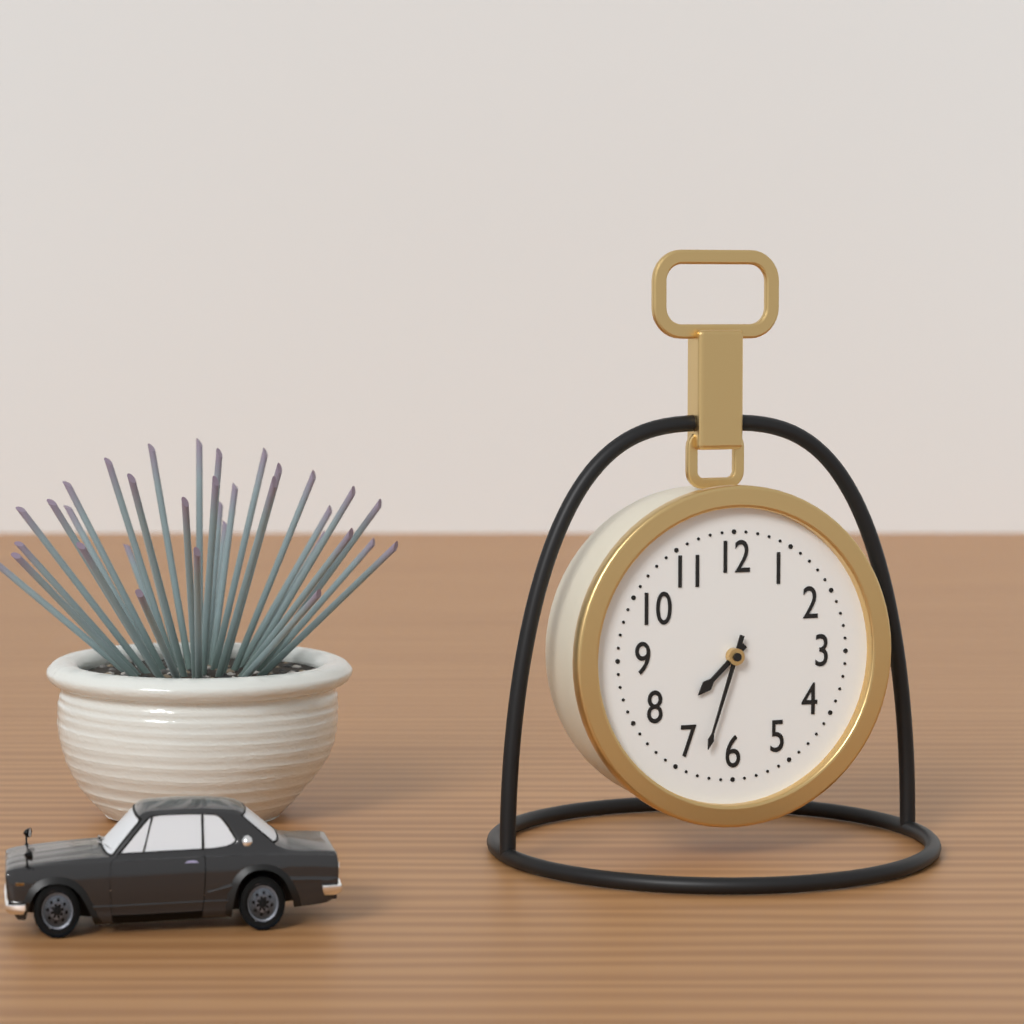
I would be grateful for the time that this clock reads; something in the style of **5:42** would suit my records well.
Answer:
**7:33**
